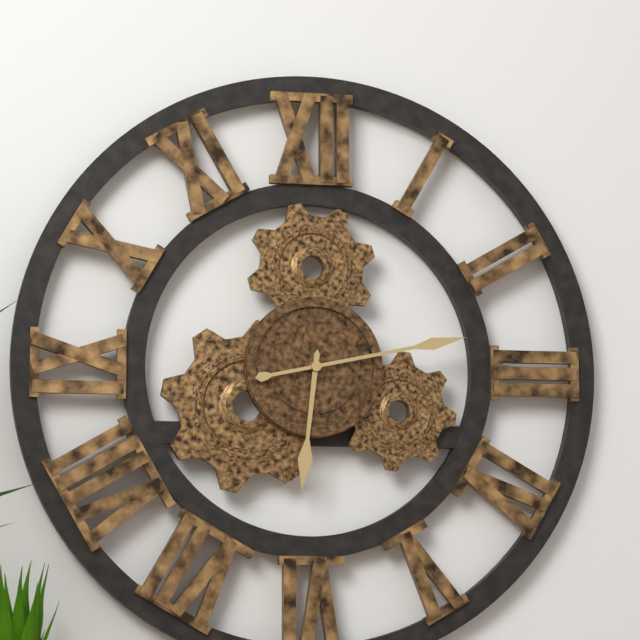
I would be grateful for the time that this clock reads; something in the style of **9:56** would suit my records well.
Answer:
**6:13**
